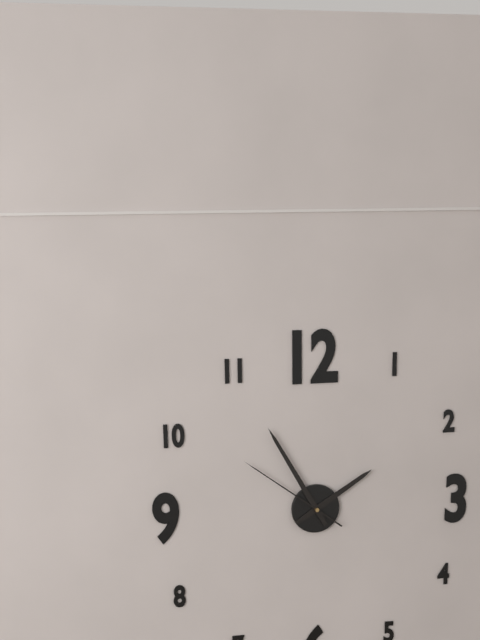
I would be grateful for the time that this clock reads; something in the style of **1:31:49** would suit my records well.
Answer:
**1:55:51**
